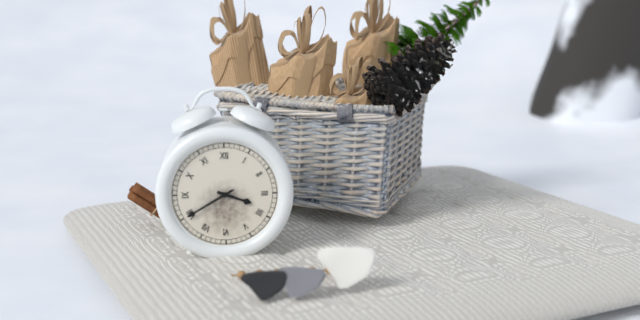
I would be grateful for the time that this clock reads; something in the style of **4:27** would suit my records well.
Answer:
**3:40**
